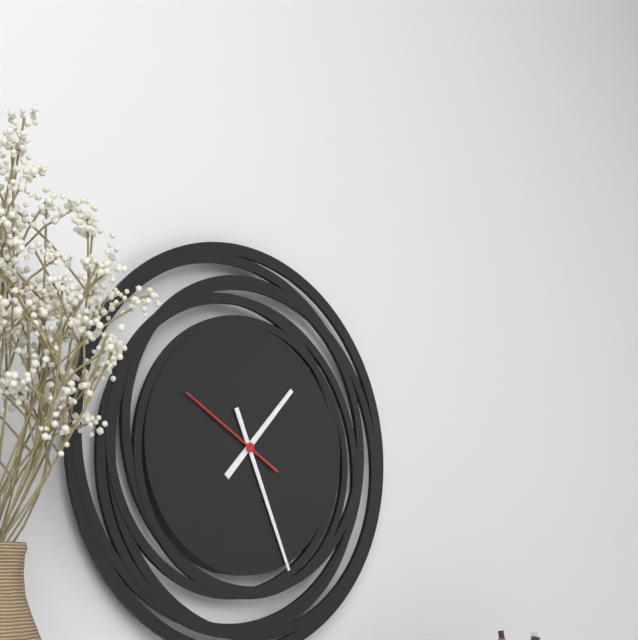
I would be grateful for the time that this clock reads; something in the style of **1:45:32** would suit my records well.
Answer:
**1:26:50**
